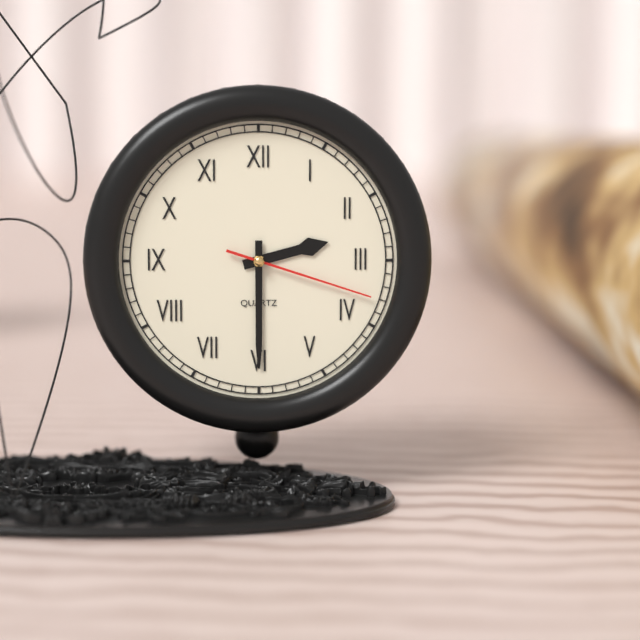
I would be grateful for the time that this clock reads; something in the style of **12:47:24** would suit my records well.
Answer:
**2:30:18**
